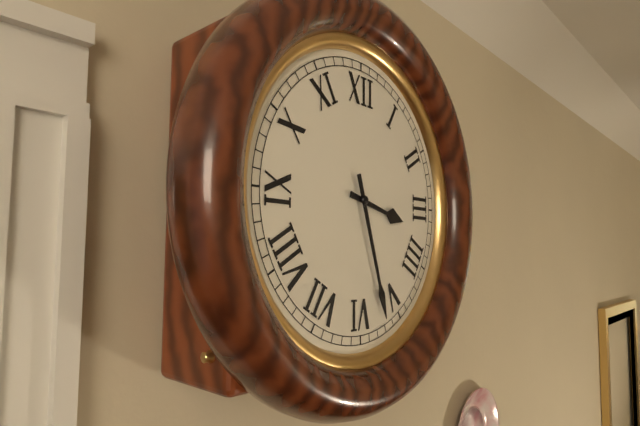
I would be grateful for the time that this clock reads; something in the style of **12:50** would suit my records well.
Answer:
**3:27**
